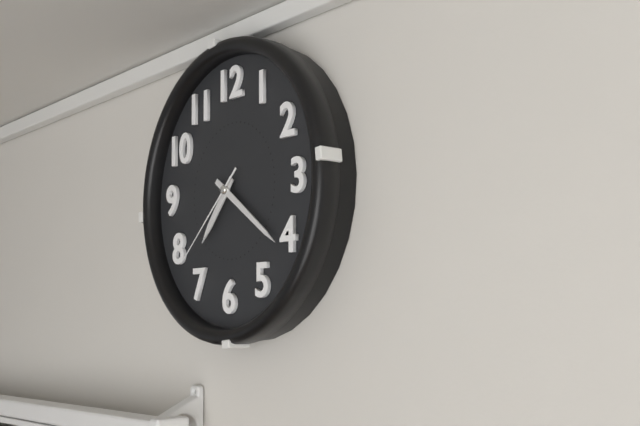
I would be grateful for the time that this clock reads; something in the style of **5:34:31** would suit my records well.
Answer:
**7:21:38**
